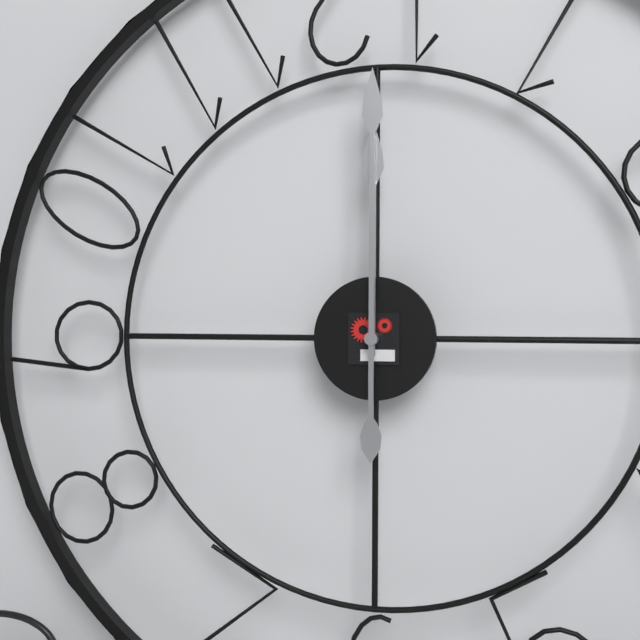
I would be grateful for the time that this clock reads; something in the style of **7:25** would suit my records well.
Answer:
**12:00**
